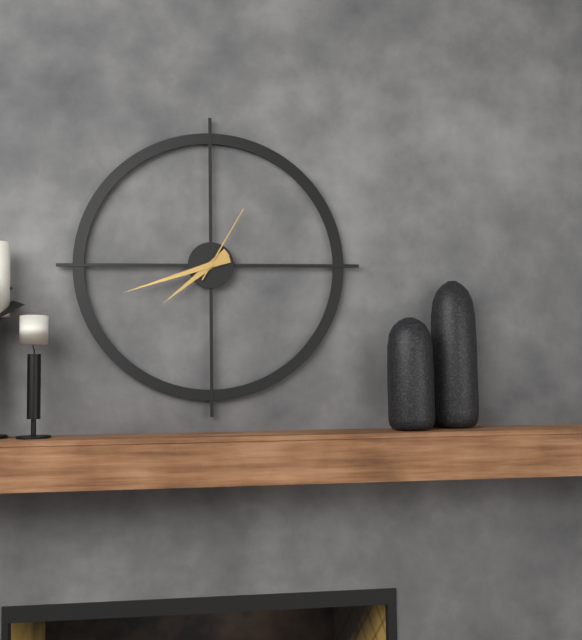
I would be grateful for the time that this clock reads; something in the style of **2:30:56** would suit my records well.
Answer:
**7:42:05**
